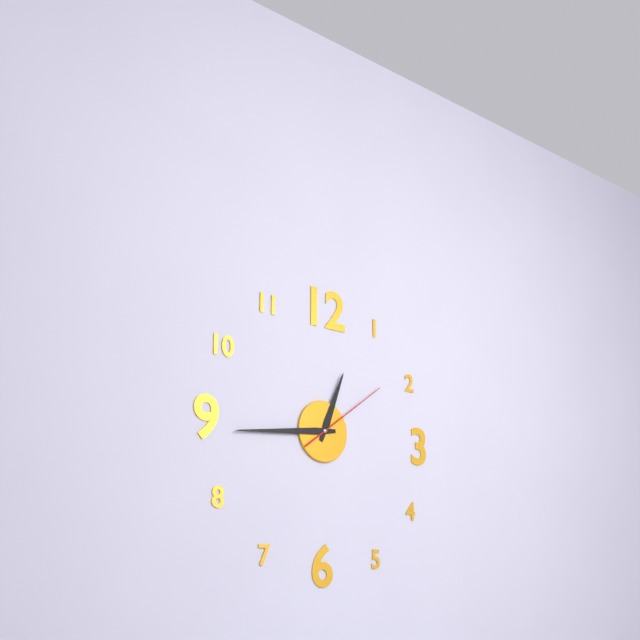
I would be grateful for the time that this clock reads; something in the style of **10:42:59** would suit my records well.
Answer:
**12:44:09**
